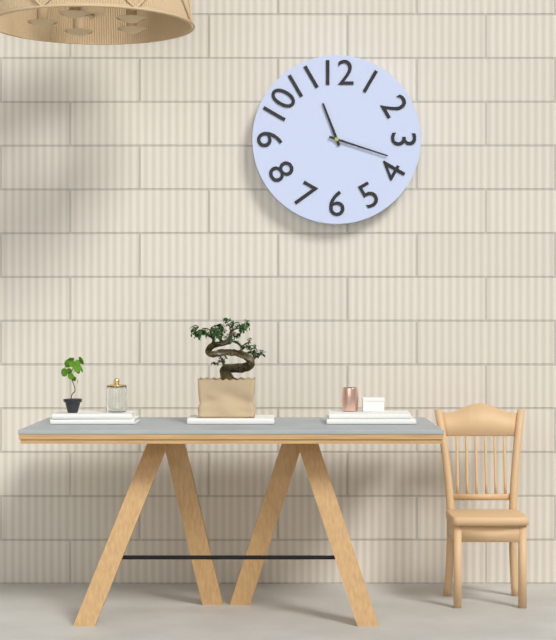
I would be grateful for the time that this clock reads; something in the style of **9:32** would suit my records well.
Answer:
**11:18**
